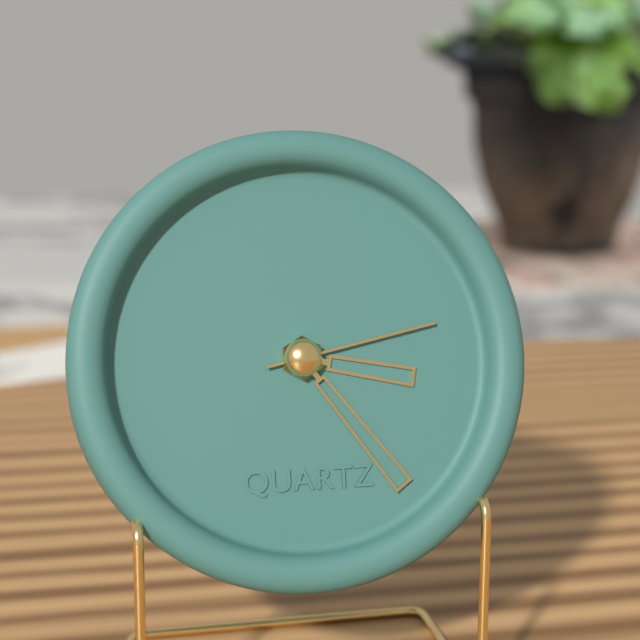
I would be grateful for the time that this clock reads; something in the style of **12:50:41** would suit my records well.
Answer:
**3:24:13**
